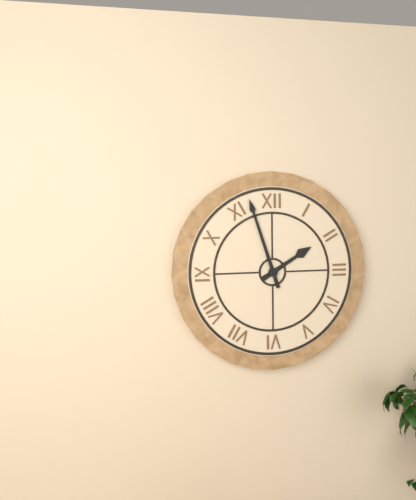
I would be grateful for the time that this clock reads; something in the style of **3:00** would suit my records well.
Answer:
**1:57**
